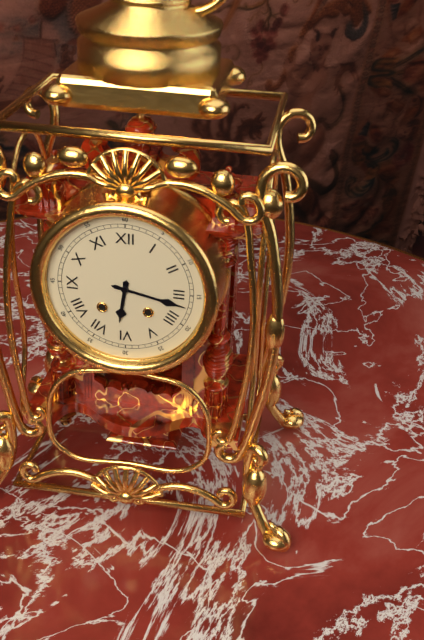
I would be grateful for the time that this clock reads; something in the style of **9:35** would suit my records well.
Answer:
**6:17**
